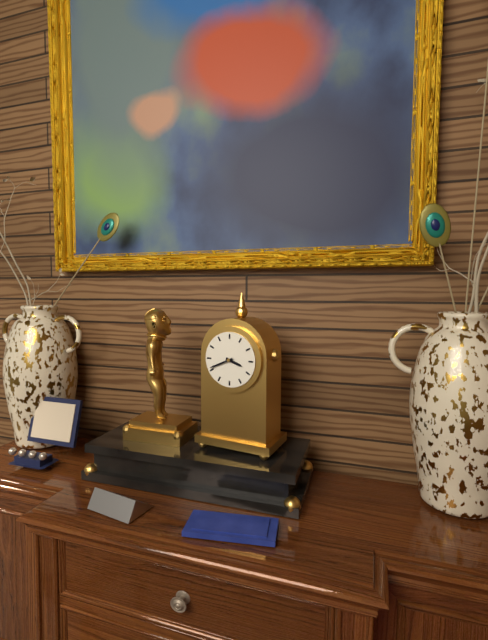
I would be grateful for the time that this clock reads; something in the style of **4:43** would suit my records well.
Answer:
**3:41**
